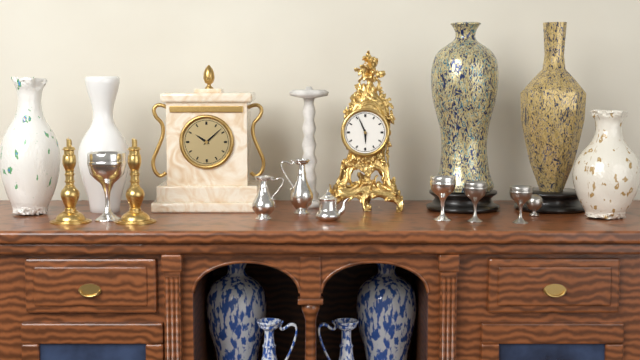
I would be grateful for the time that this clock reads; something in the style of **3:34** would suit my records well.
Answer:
**5:56**
